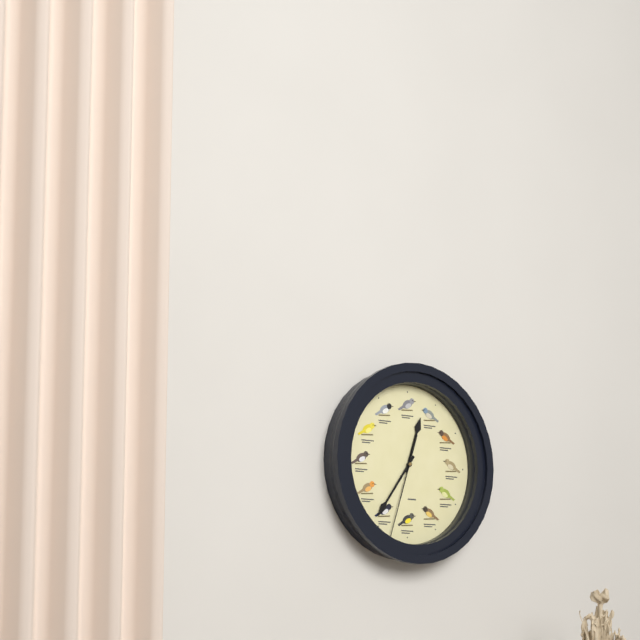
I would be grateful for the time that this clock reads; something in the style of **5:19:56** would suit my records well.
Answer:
**12:36:33**
